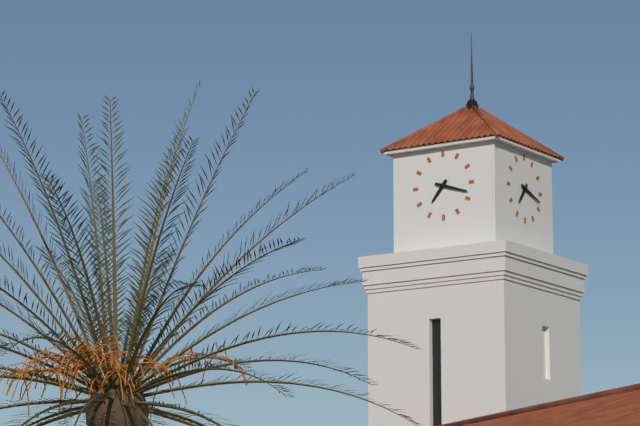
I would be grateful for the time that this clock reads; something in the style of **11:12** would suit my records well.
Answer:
**7:18**
